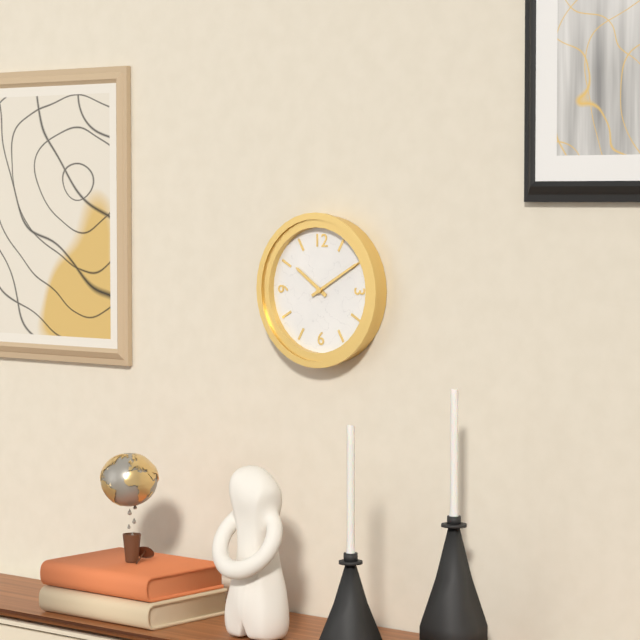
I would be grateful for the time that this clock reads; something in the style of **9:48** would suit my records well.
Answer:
**10:10**
